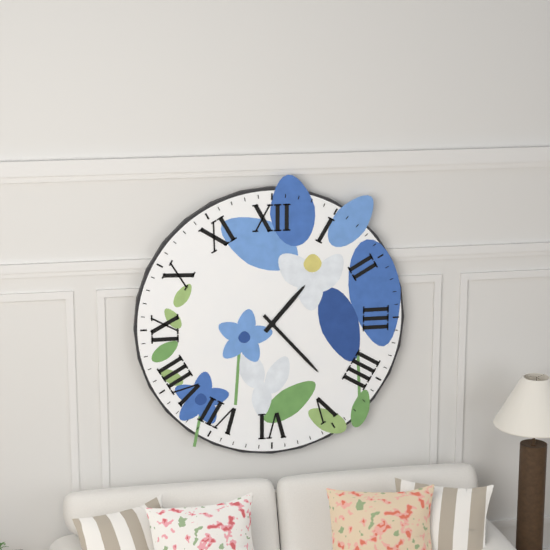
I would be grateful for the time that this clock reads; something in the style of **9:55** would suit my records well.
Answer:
**1:23**
